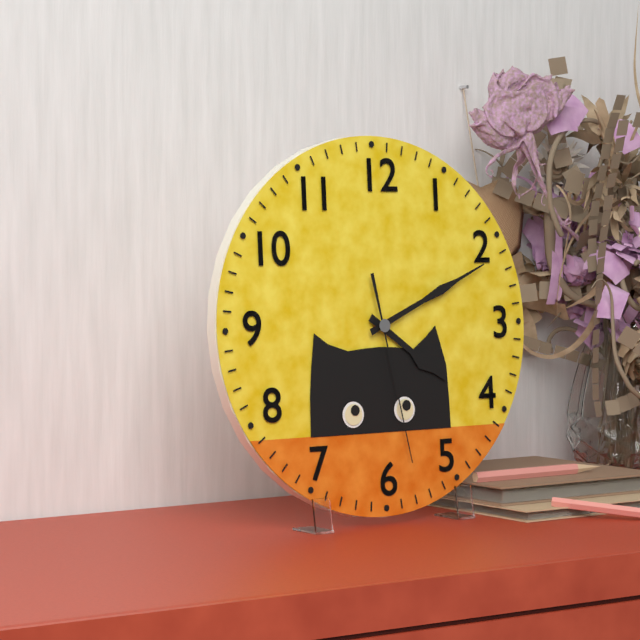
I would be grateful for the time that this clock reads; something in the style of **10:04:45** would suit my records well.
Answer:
**4:11:28**
